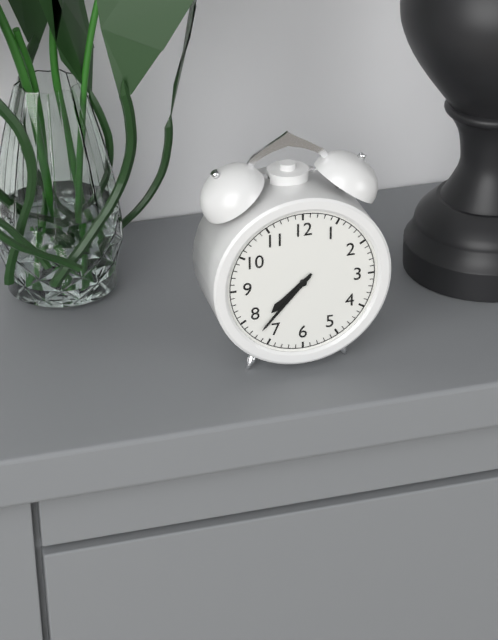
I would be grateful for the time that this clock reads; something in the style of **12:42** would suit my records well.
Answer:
**7:37**
